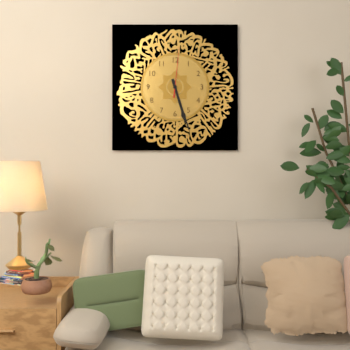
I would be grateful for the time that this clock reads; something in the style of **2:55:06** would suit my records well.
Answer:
**5:27:01**
